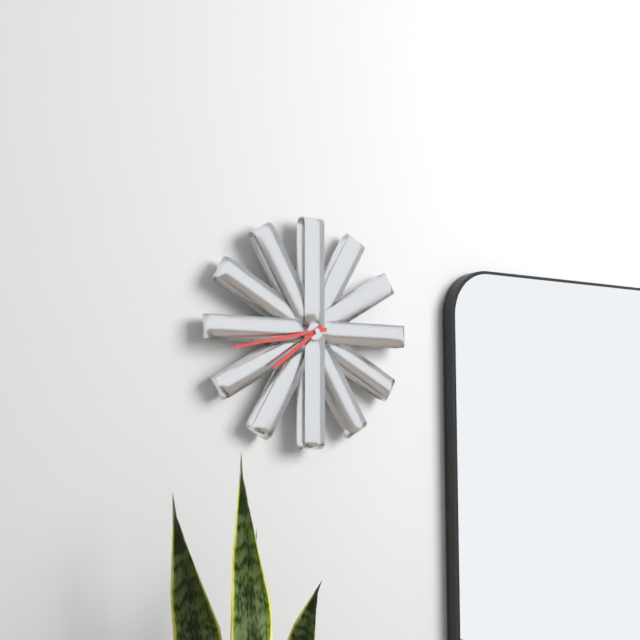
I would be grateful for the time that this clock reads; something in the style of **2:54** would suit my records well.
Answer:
**7:43**
